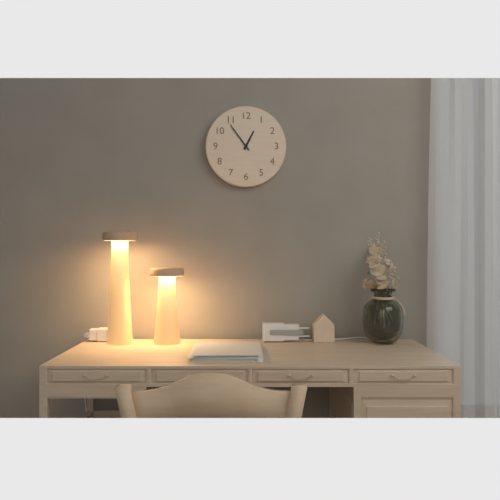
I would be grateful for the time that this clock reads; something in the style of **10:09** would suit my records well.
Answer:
**12:54**
